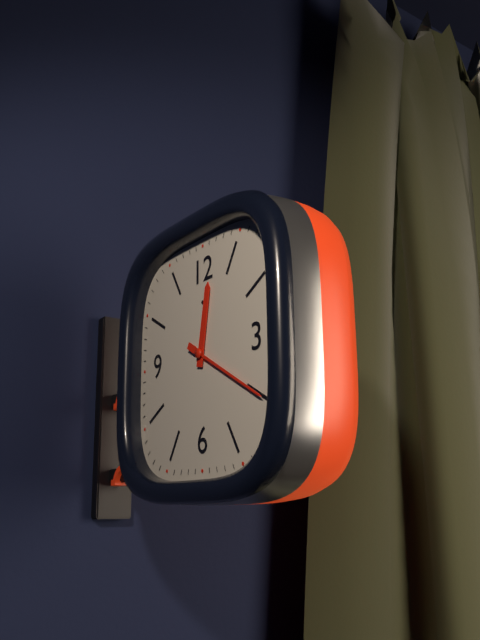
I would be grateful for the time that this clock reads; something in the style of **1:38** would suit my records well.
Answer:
**12:20**
